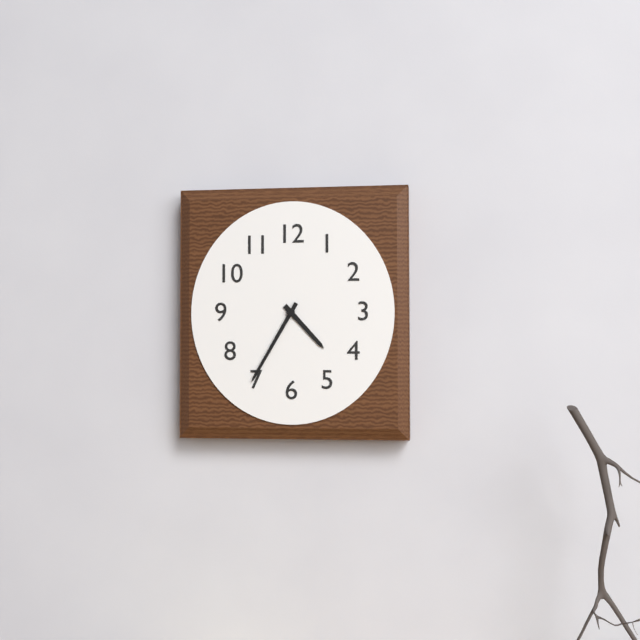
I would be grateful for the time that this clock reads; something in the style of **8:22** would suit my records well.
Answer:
**4:35**
